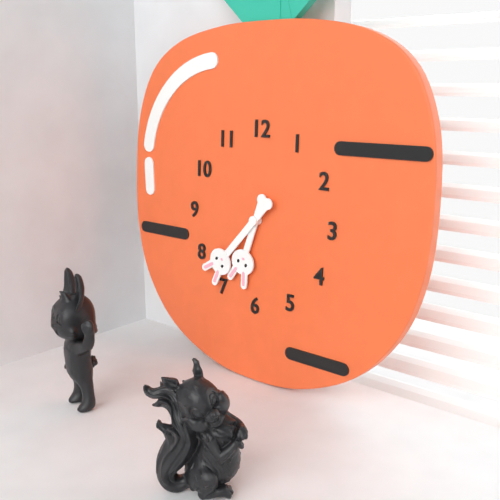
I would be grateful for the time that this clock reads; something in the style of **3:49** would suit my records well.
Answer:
**6:37**
